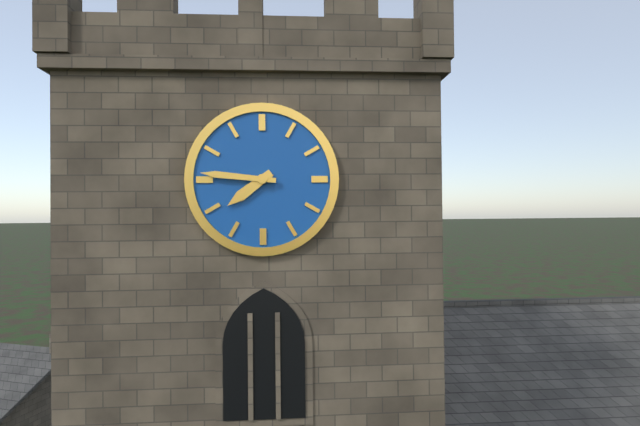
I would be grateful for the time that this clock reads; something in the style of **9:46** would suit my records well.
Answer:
**7:46**
